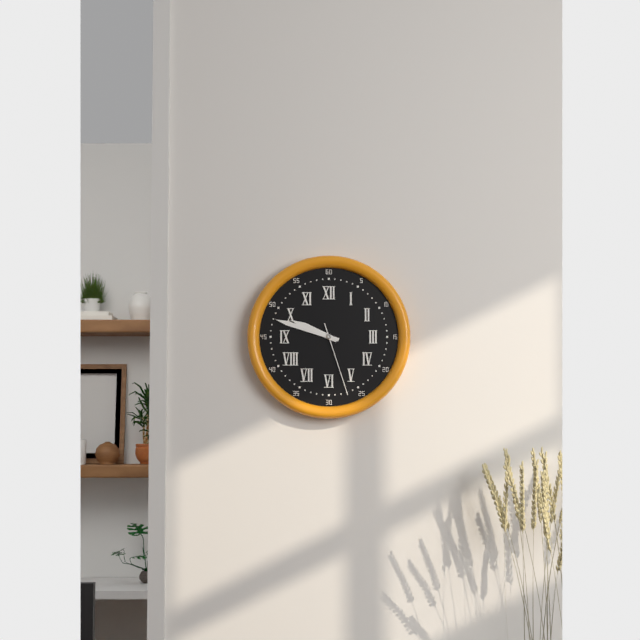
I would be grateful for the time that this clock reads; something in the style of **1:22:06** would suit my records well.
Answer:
**9:48:27**
